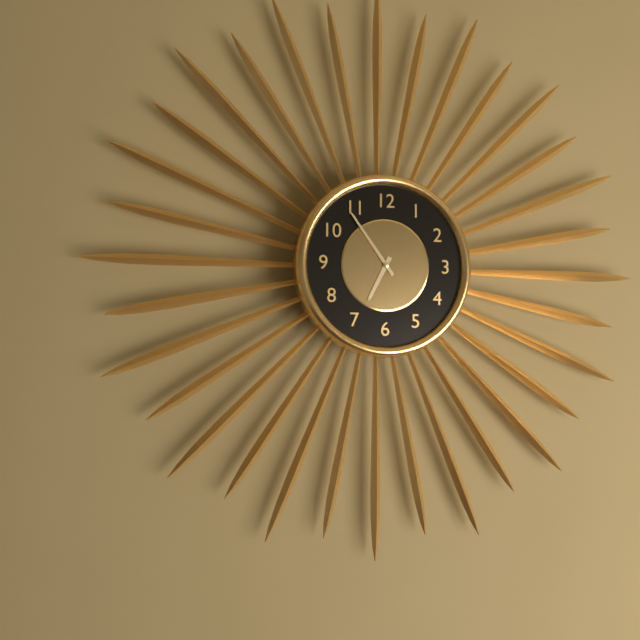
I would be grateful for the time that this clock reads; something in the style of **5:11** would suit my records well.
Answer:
**6:54**
